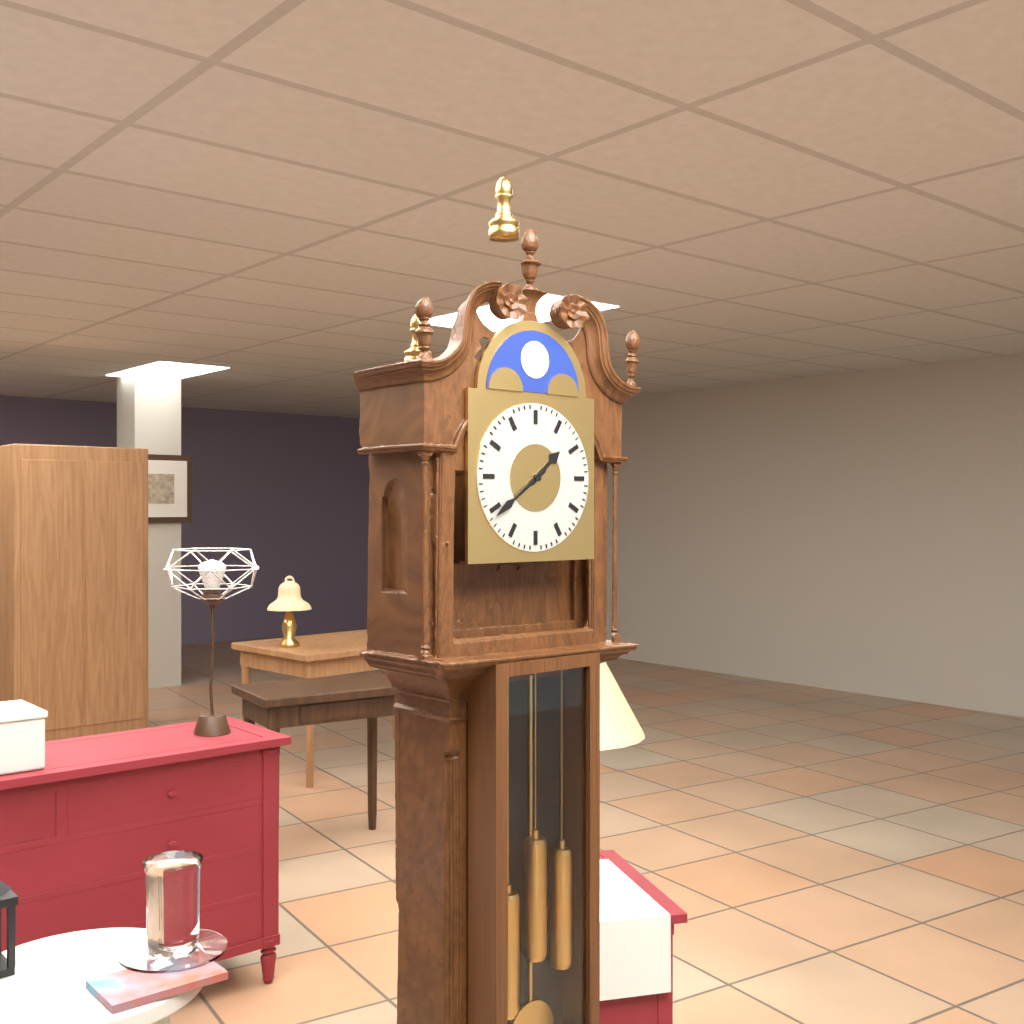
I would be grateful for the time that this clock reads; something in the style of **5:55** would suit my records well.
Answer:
**1:39**
